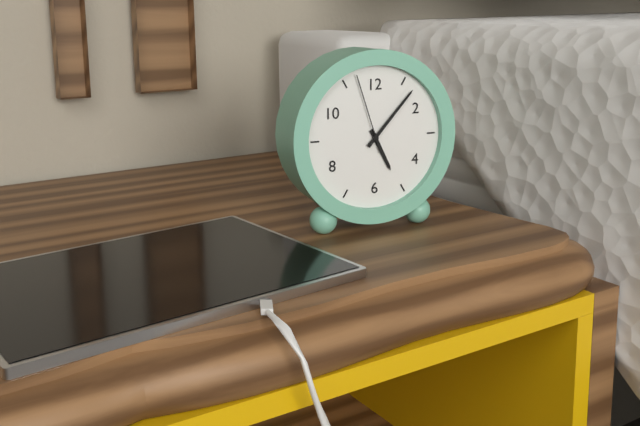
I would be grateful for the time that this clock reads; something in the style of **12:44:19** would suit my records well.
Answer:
**5:07:57**
